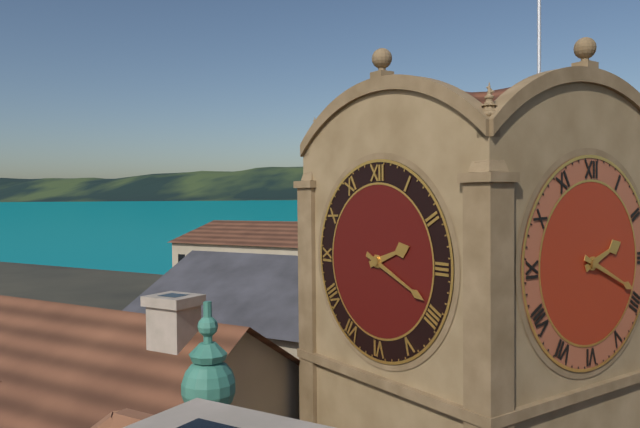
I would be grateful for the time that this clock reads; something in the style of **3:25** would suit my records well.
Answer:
**2:19**
